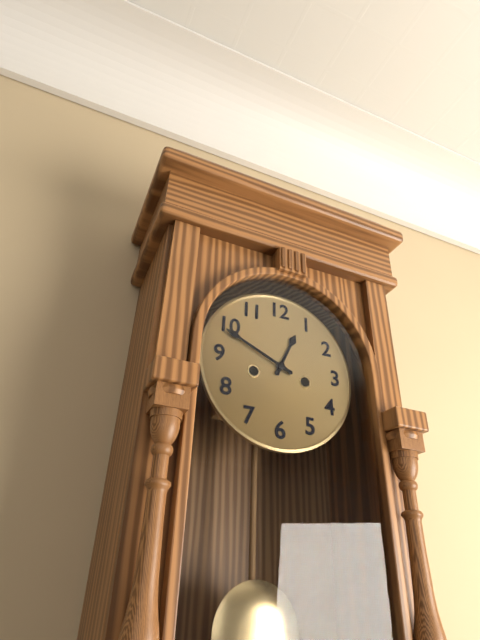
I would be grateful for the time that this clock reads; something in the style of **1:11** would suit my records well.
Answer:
**12:49**
